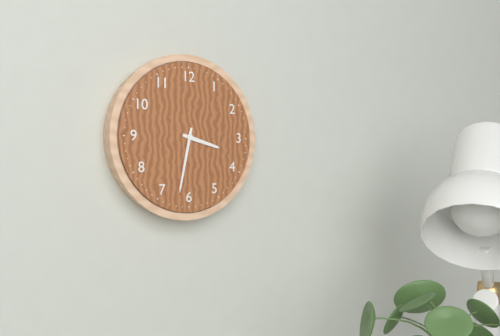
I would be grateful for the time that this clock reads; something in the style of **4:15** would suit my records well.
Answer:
**3:32**
